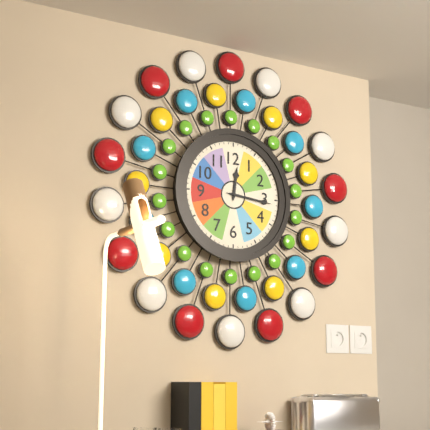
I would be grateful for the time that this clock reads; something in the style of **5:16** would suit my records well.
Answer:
**12:16**
